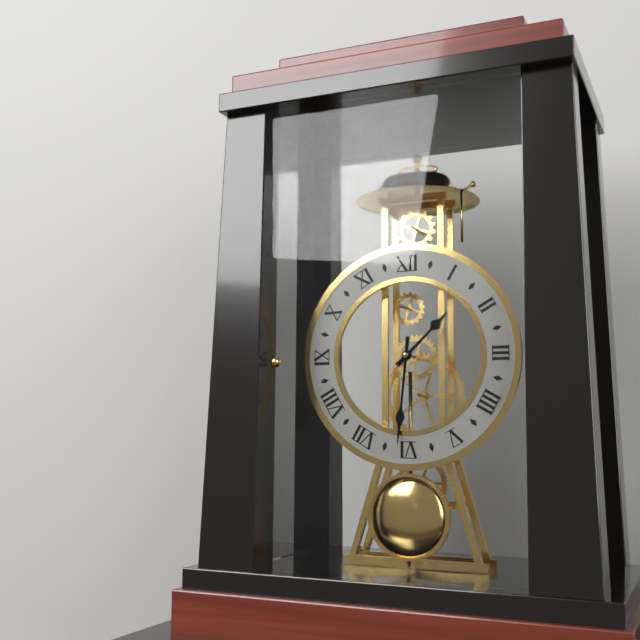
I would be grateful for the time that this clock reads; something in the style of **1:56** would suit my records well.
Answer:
**1:31**
